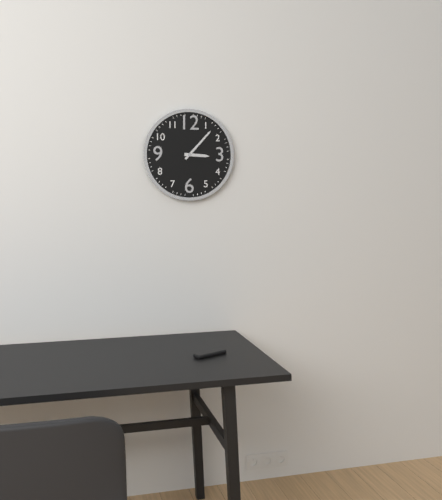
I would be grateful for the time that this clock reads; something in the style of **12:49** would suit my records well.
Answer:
**3:07**
